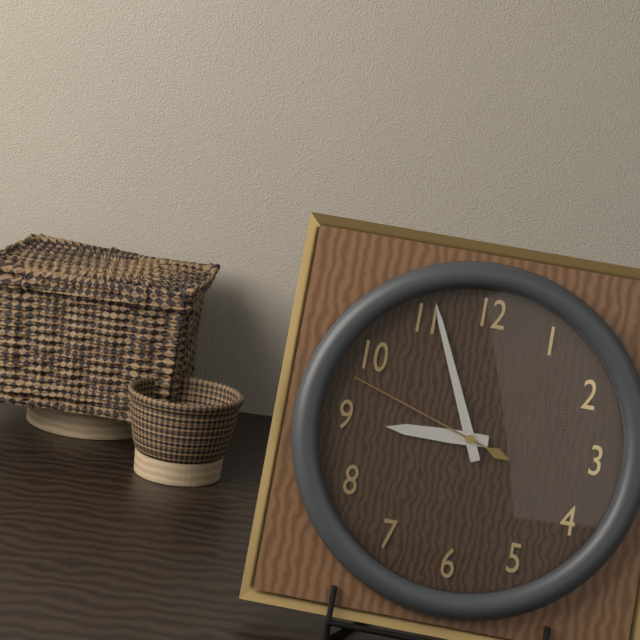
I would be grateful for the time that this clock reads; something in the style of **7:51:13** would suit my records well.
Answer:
**8:56:48**
